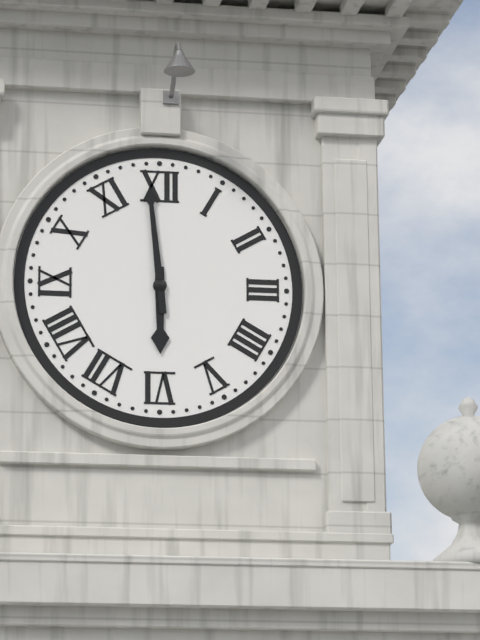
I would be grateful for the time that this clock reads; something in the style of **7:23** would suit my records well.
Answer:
**5:59**
